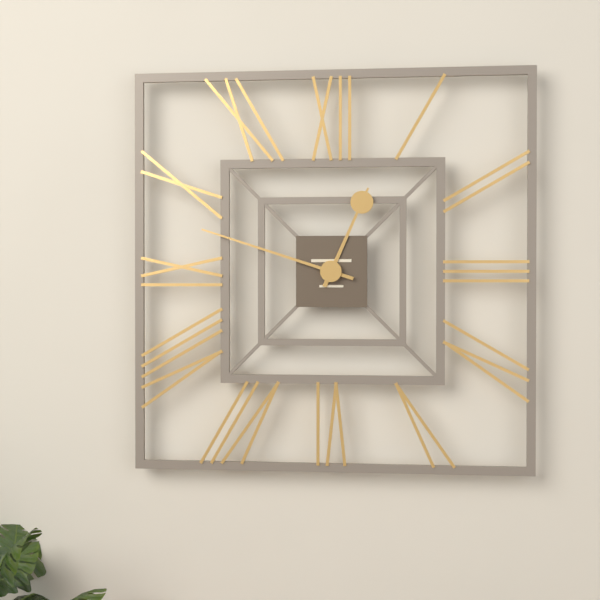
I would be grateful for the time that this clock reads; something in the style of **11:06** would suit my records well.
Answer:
**12:48**
